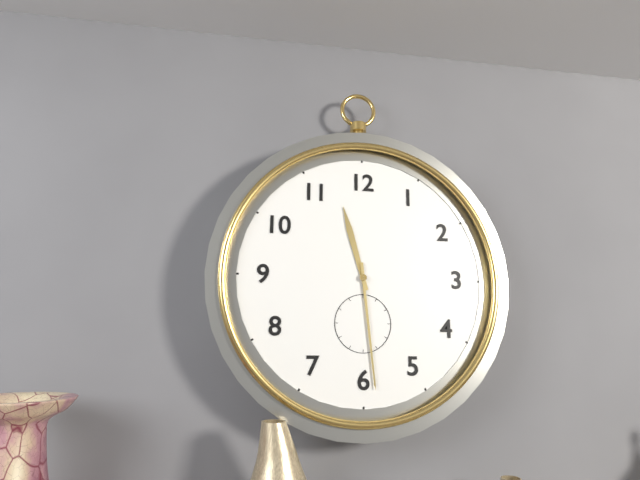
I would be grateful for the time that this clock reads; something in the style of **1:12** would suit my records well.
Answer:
**11:29**
